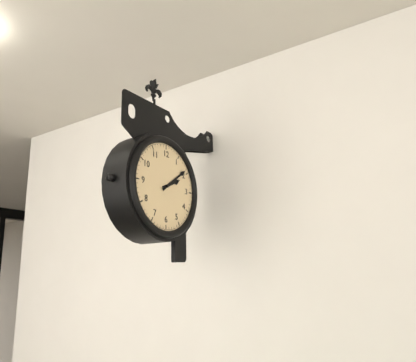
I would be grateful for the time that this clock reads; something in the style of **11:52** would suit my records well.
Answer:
**2:09**
